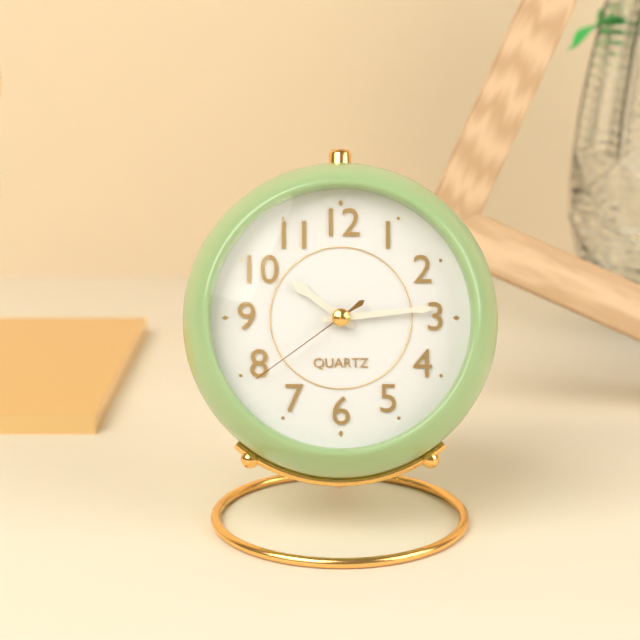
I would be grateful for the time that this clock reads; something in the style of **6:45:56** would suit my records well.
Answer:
**10:14:39**
